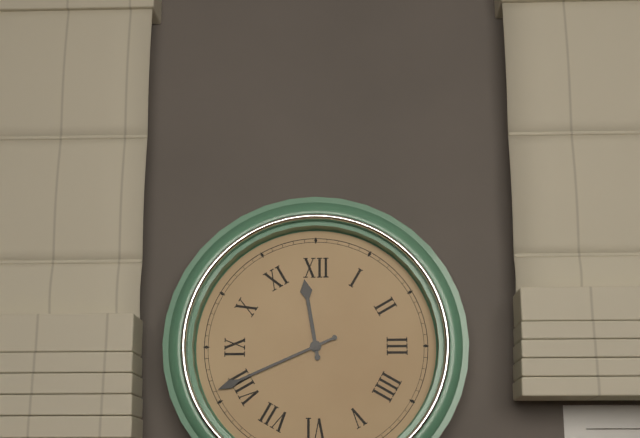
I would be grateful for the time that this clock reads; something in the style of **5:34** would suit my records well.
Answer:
**11:41**
